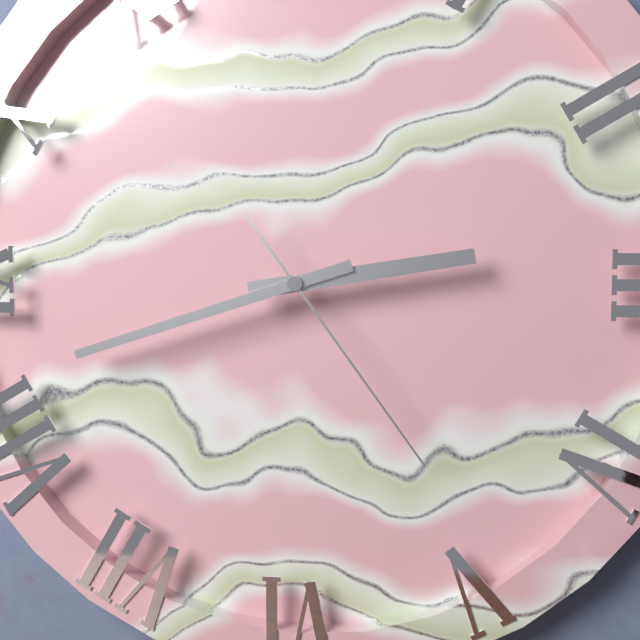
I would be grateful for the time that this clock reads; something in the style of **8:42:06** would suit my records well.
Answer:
**2:42:24**
